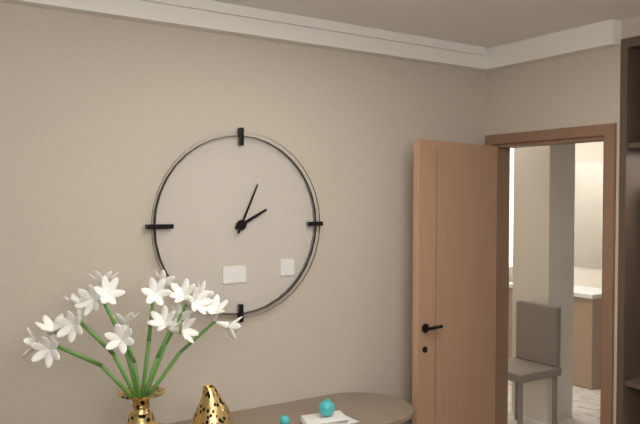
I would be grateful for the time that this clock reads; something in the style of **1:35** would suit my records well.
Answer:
**2:04**
